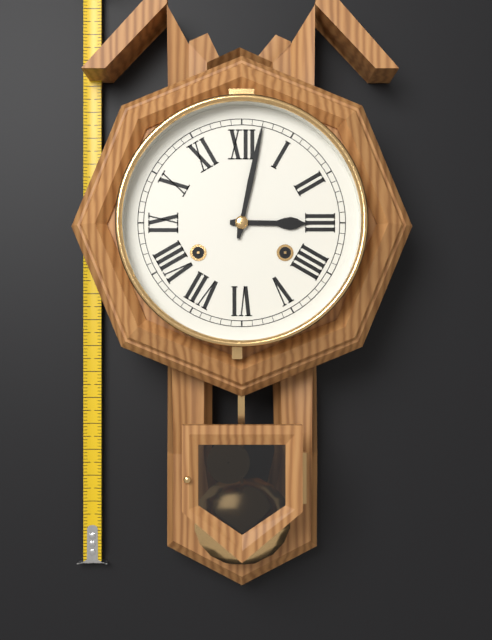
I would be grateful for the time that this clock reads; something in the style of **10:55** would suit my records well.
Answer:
**3:02**
